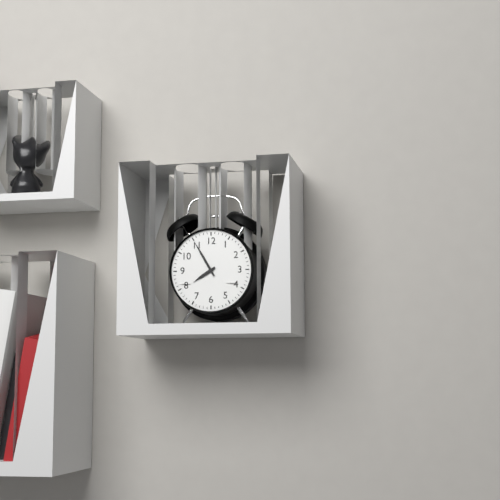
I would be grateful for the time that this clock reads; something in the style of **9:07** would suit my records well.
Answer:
**7:55**
